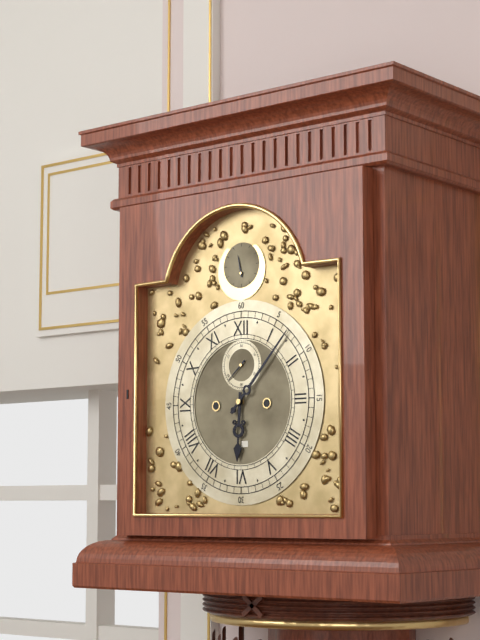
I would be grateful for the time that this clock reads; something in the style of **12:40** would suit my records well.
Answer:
**6:07**
